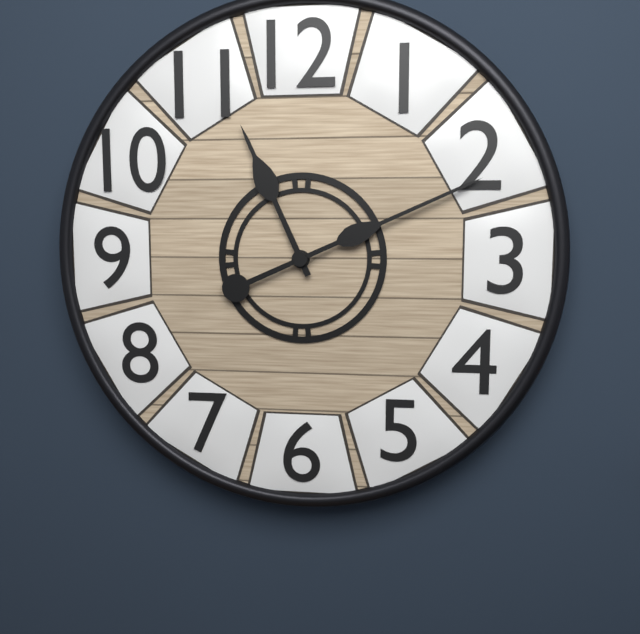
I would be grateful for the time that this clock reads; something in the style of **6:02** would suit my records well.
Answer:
**11:11**
